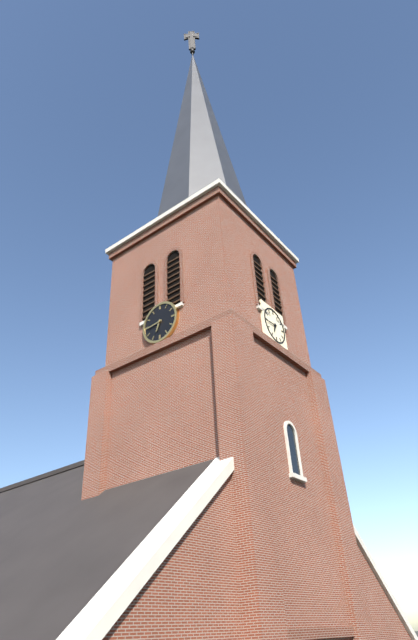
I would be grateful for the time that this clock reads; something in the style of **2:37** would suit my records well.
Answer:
**6:44**
